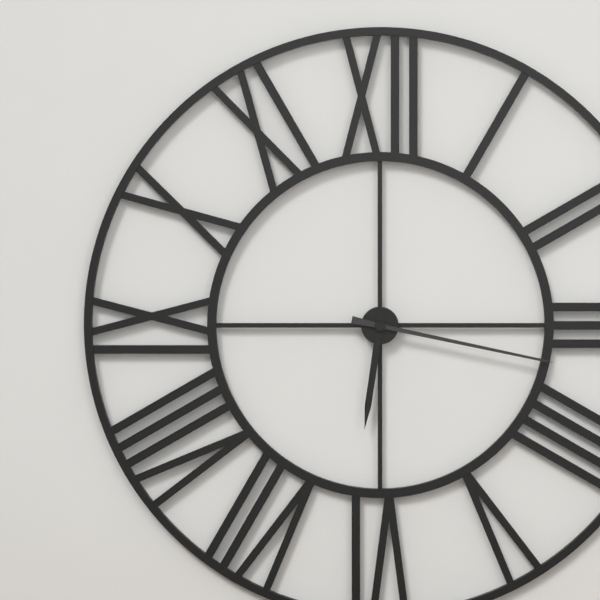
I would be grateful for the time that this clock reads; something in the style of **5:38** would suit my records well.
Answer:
**6:17**
